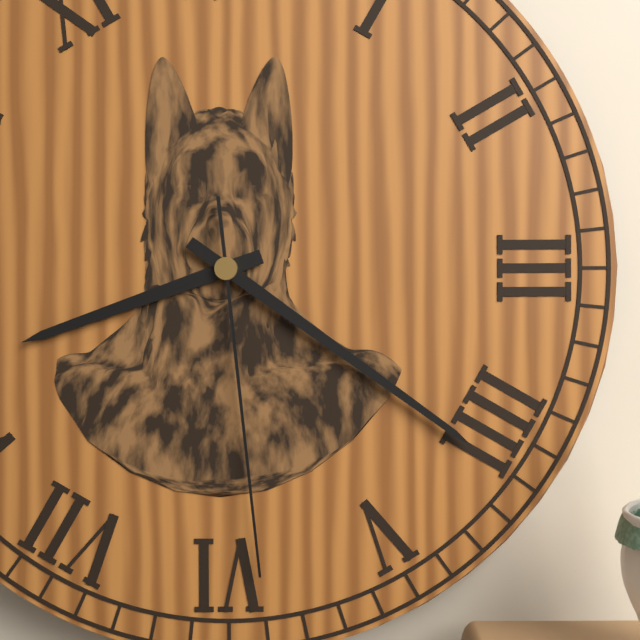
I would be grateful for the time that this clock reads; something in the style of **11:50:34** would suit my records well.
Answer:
**8:21:29**
